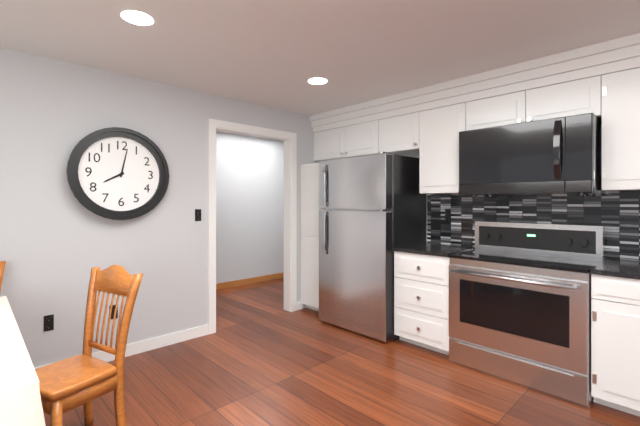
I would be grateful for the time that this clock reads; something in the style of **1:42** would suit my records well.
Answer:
**8:02**
